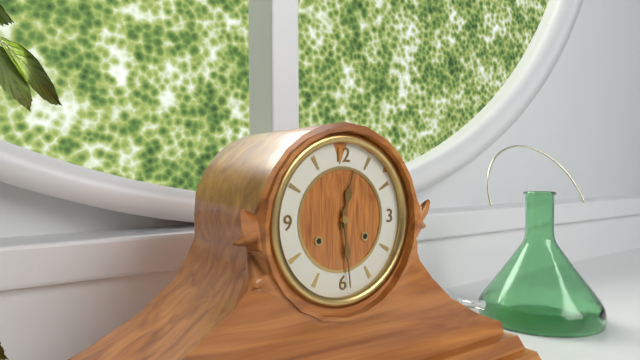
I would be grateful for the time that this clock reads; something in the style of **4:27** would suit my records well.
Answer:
**12:29**
